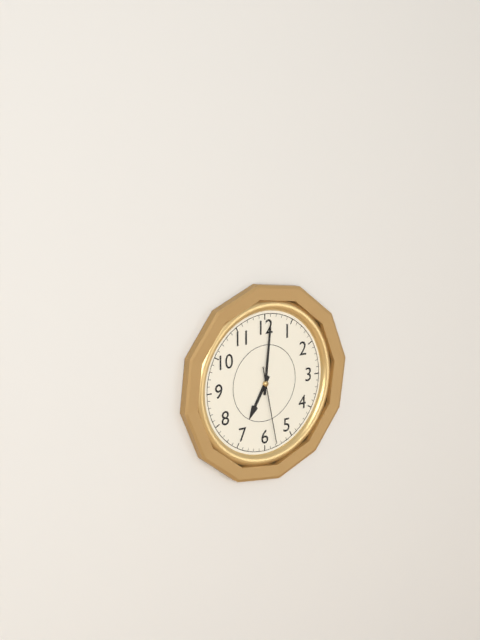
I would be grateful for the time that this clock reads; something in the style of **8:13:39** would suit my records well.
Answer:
**7:01:28**
